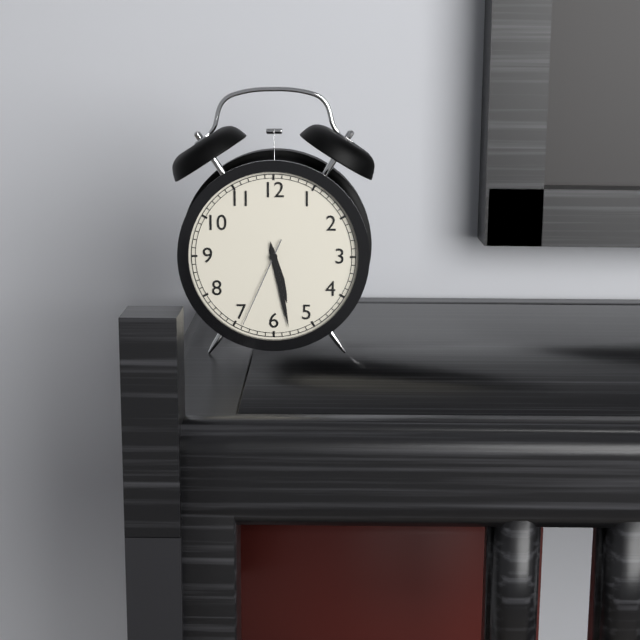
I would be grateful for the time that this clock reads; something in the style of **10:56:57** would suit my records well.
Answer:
**5:28:34**
